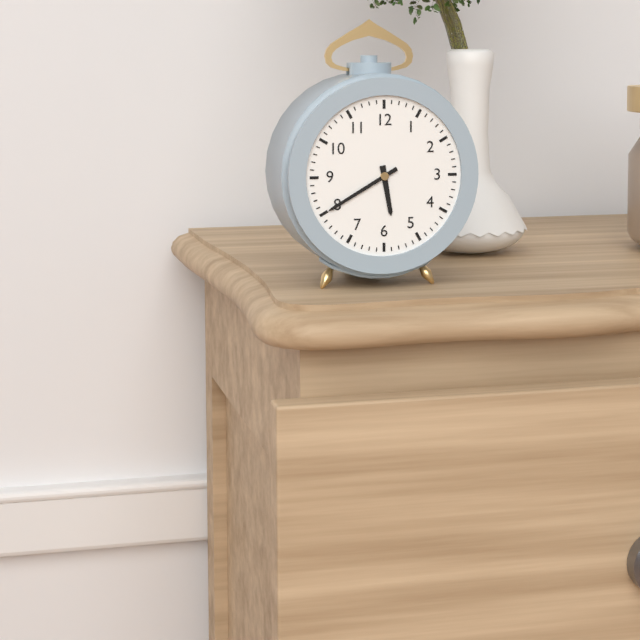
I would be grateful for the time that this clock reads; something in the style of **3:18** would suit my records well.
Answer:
**5:40**
